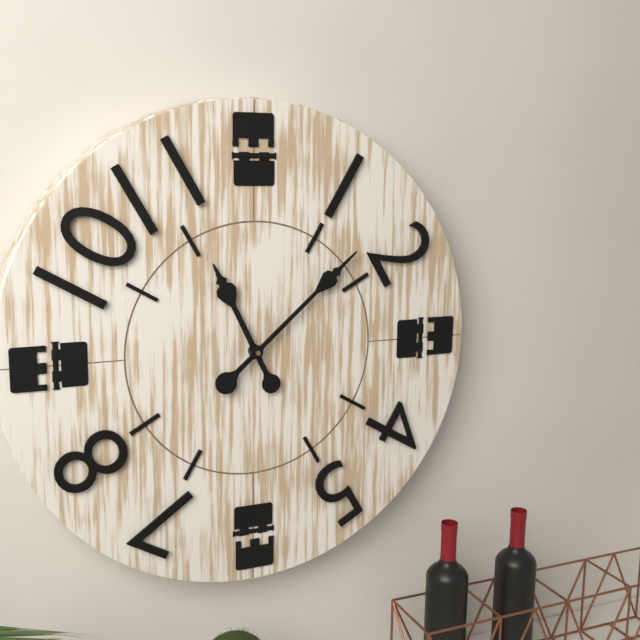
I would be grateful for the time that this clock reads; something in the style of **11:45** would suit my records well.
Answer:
**11:08**
